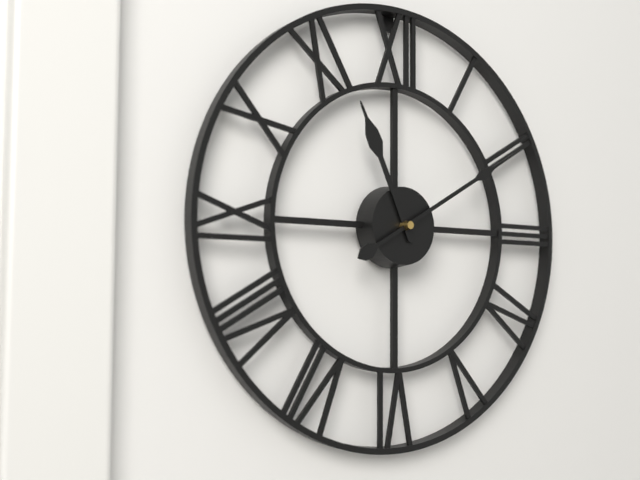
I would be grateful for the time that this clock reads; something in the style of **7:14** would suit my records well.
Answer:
**11:10**
